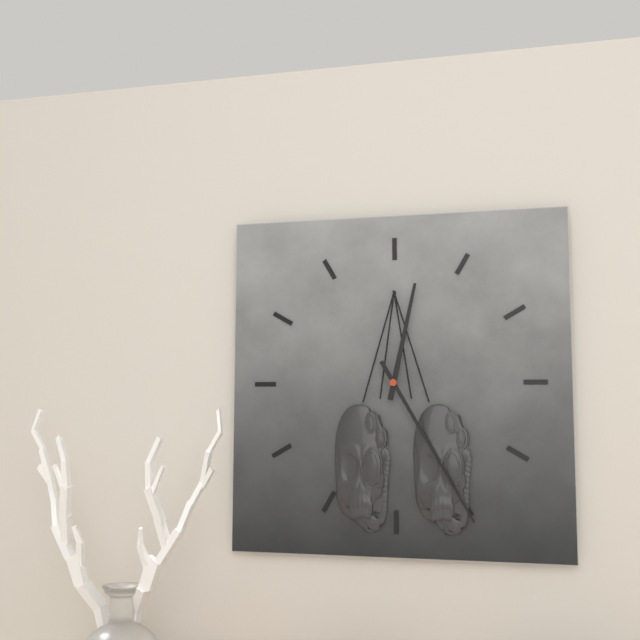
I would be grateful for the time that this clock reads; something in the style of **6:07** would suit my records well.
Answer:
**12:25**
